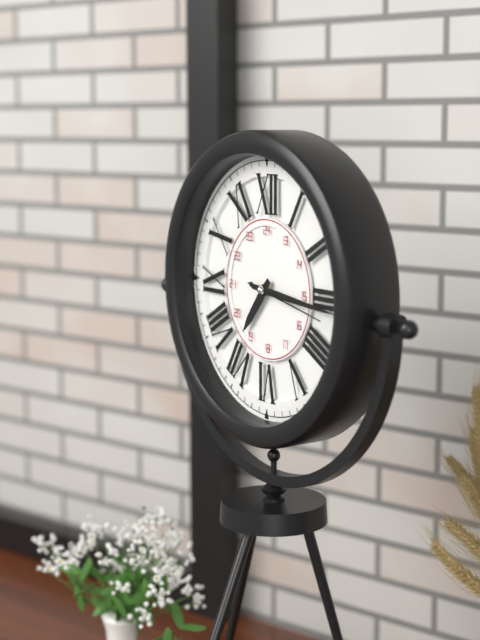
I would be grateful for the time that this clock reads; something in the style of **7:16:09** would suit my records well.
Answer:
**7:16:17**
